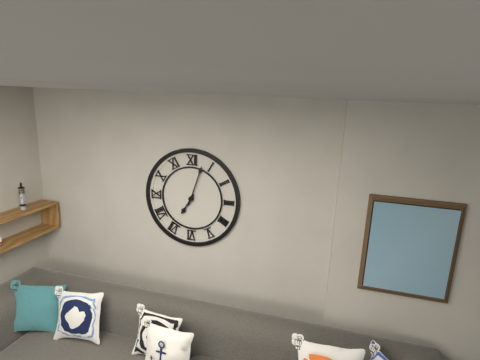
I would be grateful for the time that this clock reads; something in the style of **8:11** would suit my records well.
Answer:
**7:03**
